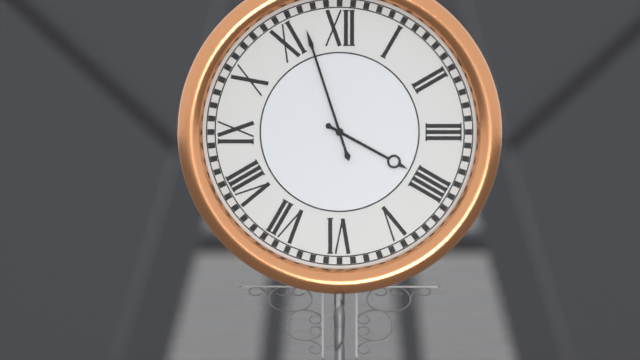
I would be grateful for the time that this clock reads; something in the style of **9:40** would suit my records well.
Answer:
**3:57**
